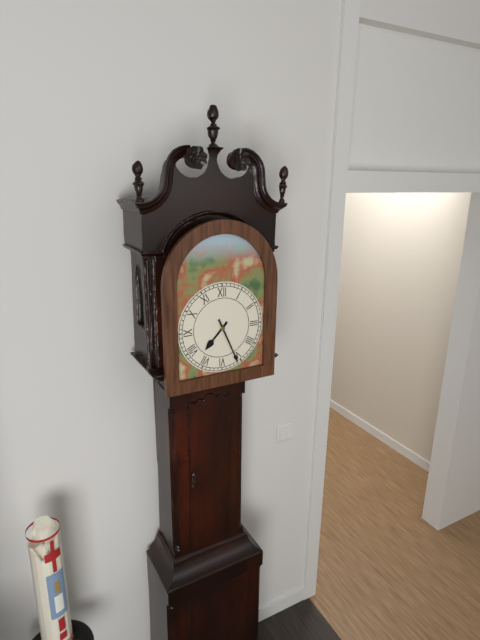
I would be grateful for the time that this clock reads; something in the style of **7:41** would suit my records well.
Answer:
**7:26**
